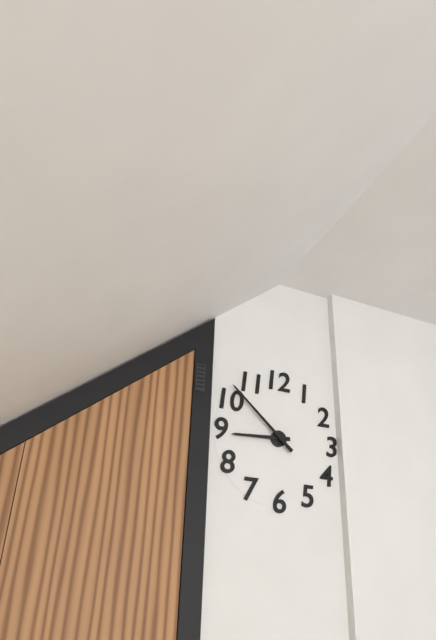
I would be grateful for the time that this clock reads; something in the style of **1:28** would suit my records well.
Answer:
**8:52**
